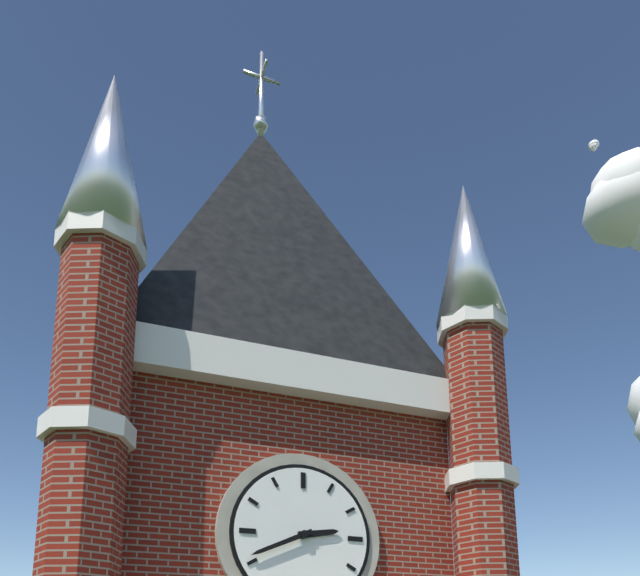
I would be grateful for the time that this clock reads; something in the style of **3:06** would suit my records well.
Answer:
**2:41**
